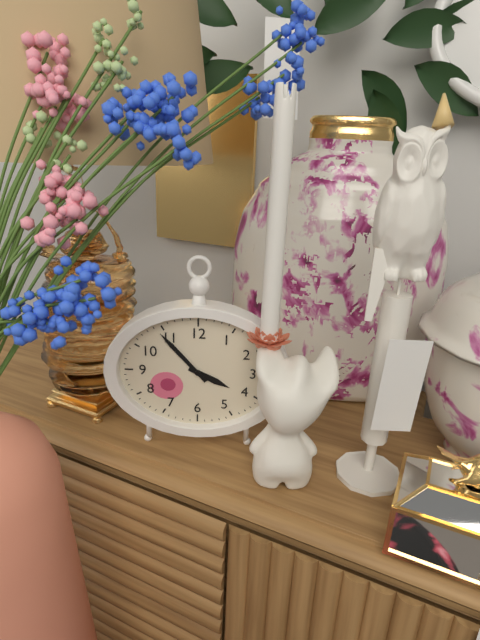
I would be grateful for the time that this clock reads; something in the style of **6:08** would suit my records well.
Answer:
**3:53**
